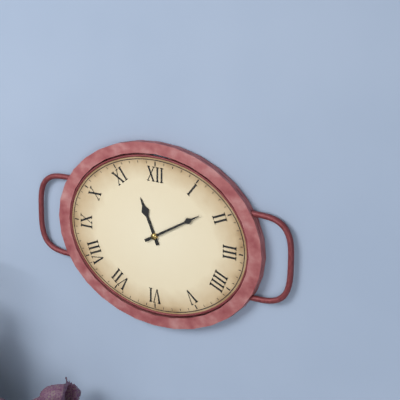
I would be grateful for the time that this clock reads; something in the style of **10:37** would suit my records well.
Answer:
**11:10**
